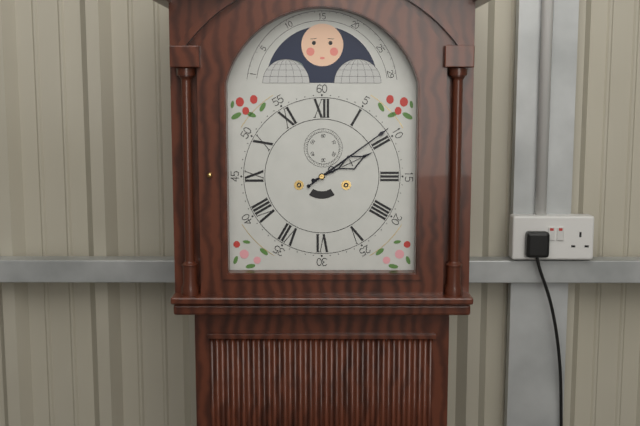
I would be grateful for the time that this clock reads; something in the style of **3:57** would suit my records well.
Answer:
**2:09**
